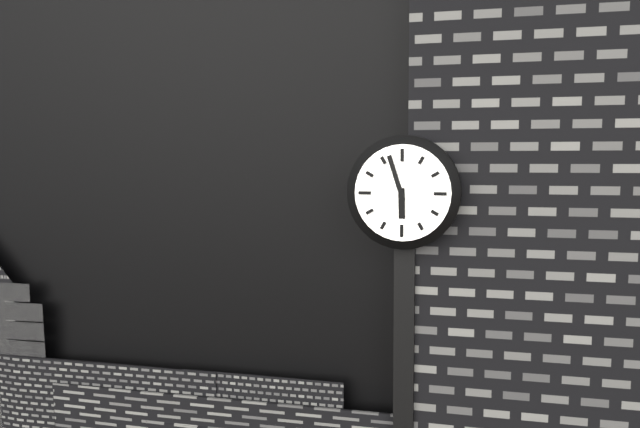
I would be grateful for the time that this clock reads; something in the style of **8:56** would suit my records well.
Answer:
**5:57**
